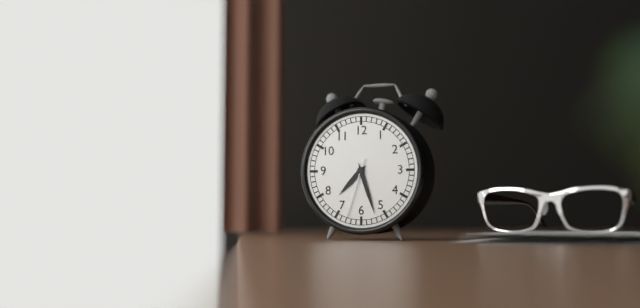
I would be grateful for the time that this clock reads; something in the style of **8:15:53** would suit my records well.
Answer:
**7:27:33**
